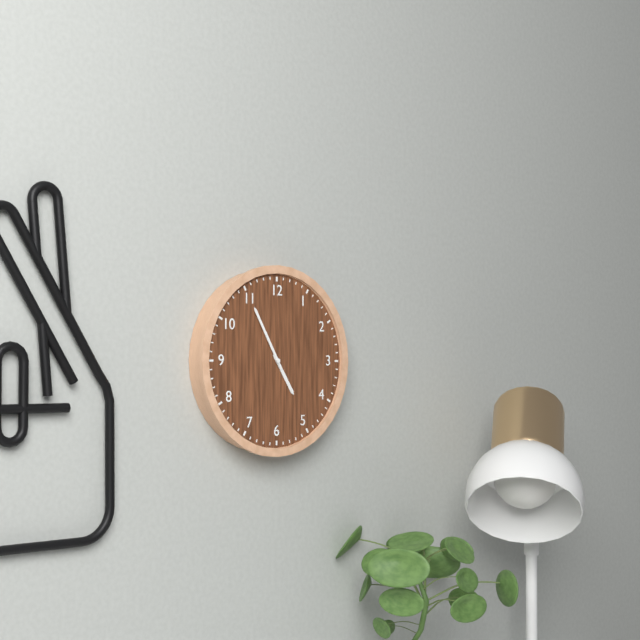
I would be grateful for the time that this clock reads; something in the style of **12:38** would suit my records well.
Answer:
**4:55**
